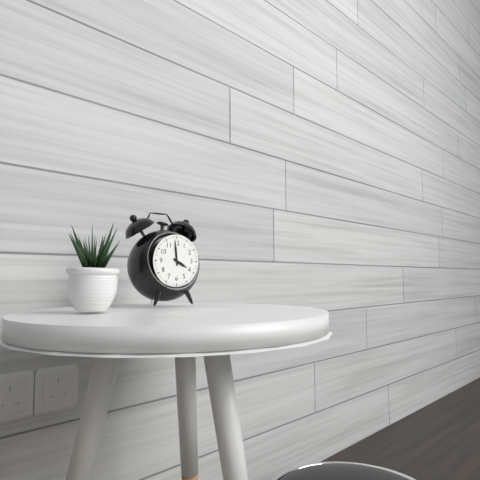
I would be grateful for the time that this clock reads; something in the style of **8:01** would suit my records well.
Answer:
**3:59**
